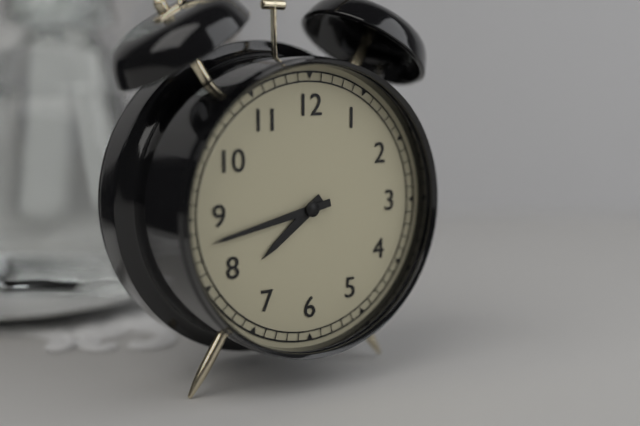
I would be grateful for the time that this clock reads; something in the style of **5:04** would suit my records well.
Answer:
**7:43**
